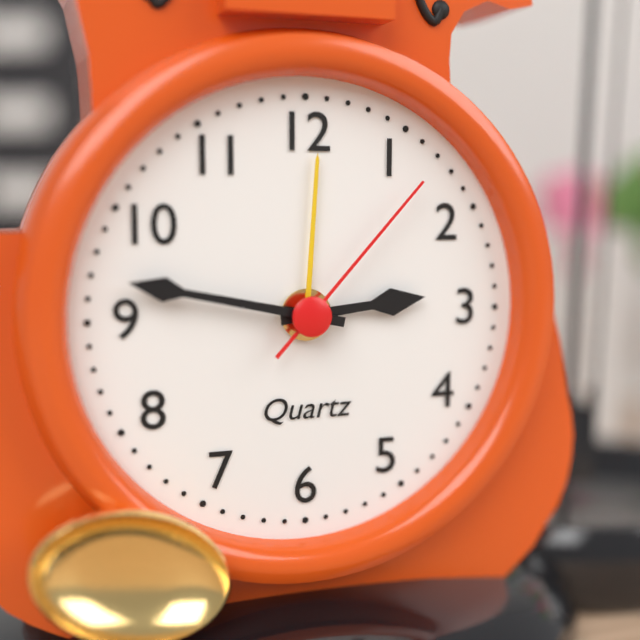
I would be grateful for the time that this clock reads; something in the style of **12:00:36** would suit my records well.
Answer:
**2:47:07**
